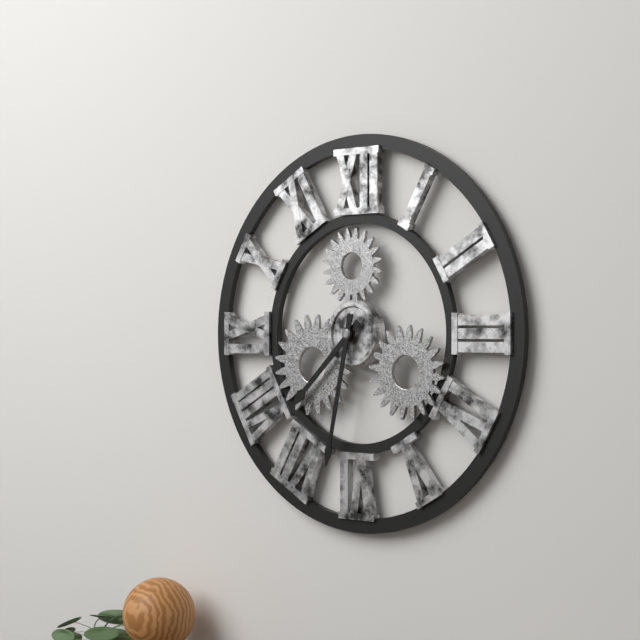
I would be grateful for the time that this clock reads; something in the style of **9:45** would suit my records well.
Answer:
**7:32**
